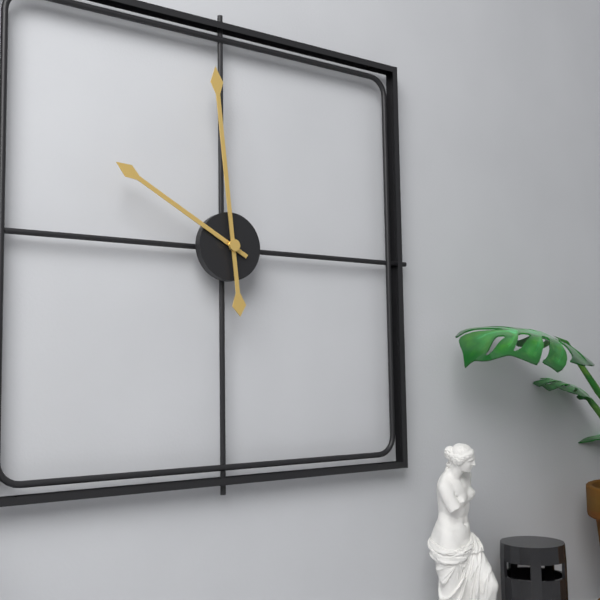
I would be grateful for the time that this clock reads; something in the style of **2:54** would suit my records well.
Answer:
**9:59**
